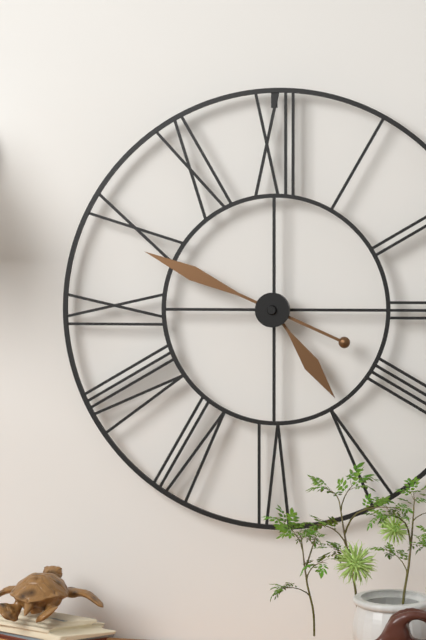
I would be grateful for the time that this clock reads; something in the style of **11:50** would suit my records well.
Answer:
**4:49**
